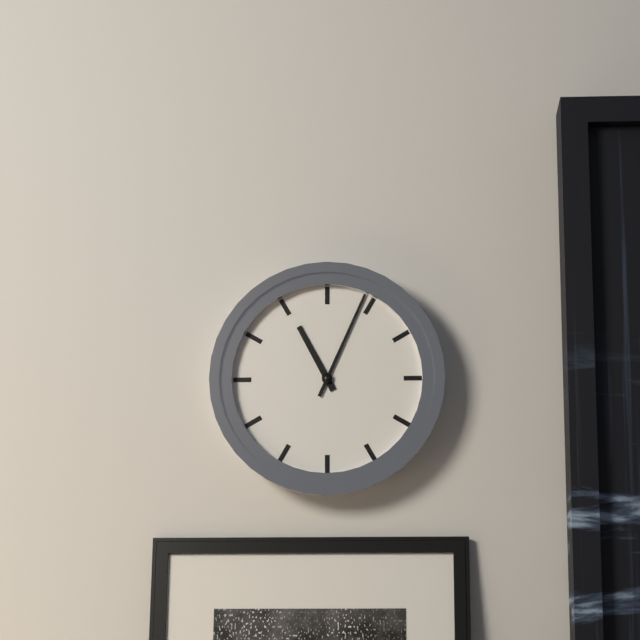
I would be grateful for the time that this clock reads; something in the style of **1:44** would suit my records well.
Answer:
**11:04**
